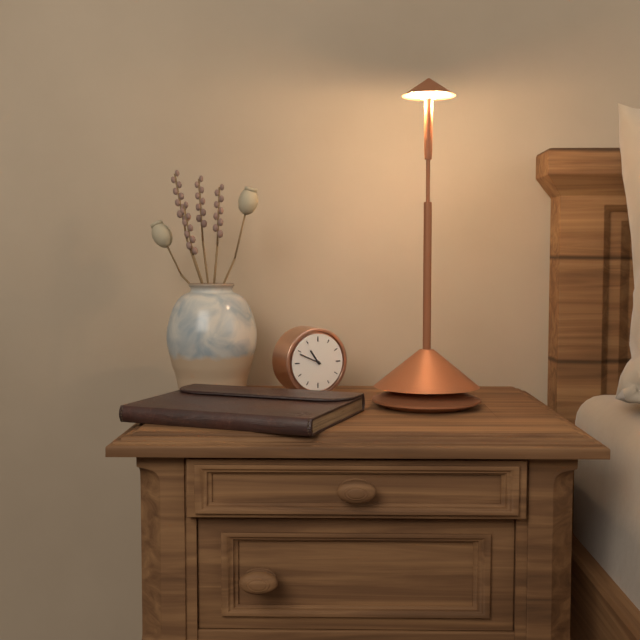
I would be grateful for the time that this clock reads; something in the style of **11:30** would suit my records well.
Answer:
**10:49**
